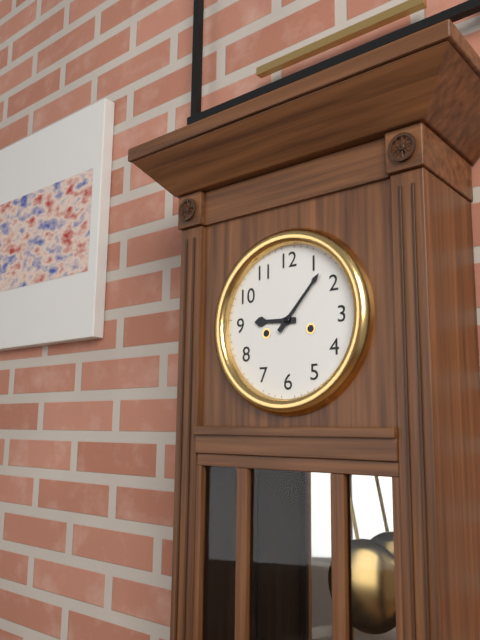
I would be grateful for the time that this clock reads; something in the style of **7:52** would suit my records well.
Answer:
**9:07**
